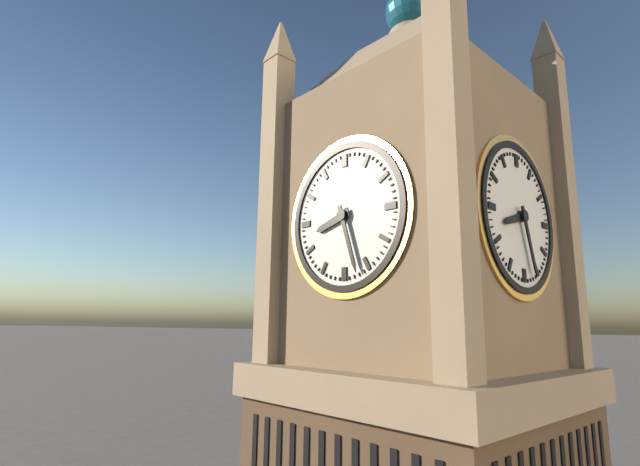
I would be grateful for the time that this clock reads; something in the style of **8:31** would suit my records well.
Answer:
**8:27**
